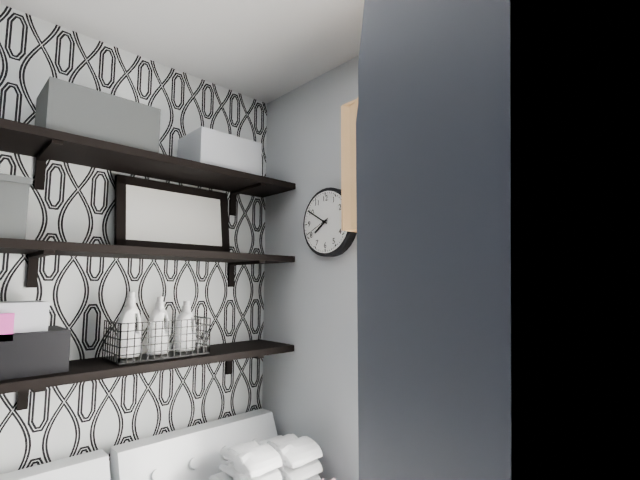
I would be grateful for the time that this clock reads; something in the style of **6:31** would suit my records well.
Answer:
**7:50**
